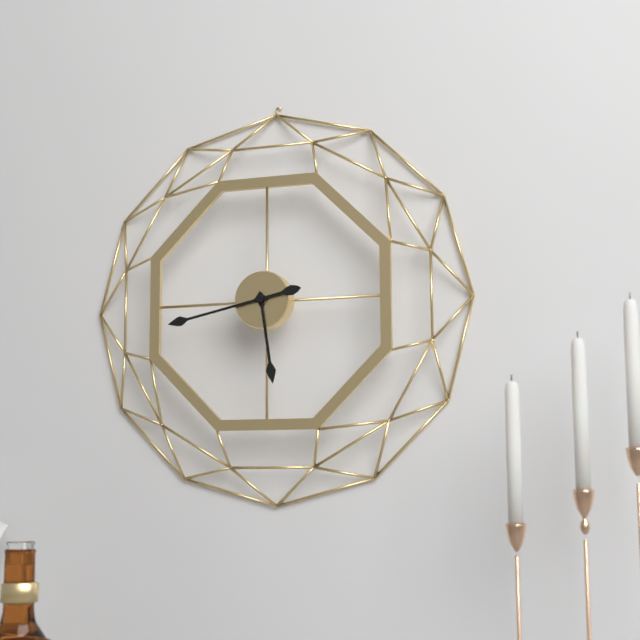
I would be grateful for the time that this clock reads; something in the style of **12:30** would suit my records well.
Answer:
**5:43**
